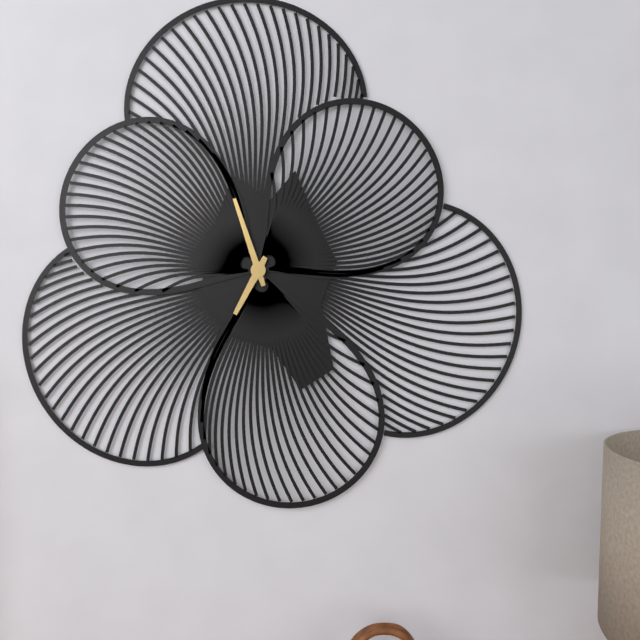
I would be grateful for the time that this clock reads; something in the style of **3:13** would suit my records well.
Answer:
**6:57**
